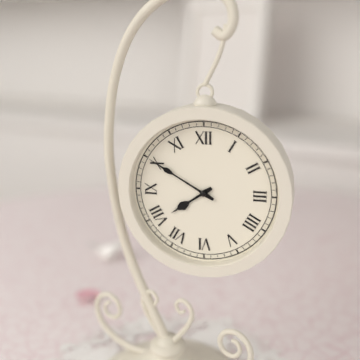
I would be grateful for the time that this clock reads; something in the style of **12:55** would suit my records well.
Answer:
**7:50**
